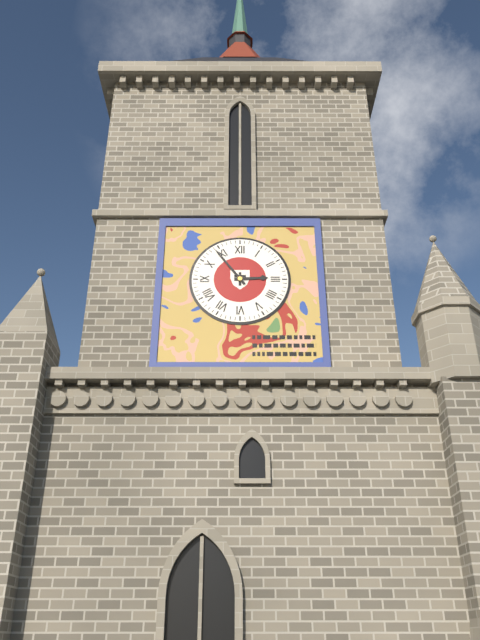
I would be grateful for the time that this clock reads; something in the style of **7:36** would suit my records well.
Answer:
**2:54**
